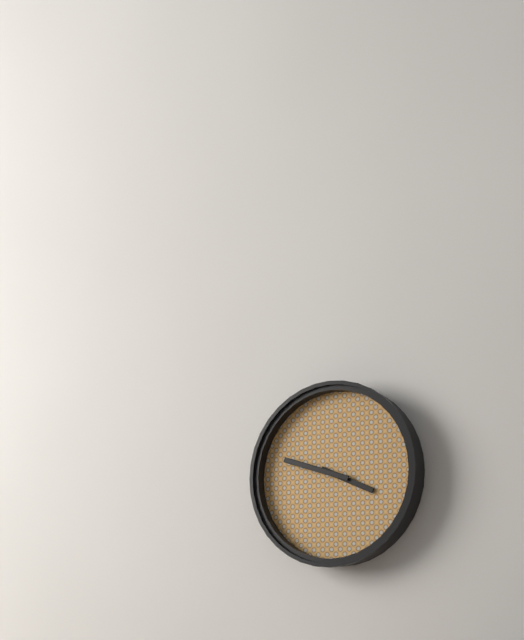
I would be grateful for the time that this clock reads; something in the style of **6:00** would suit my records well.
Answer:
**3:48**
